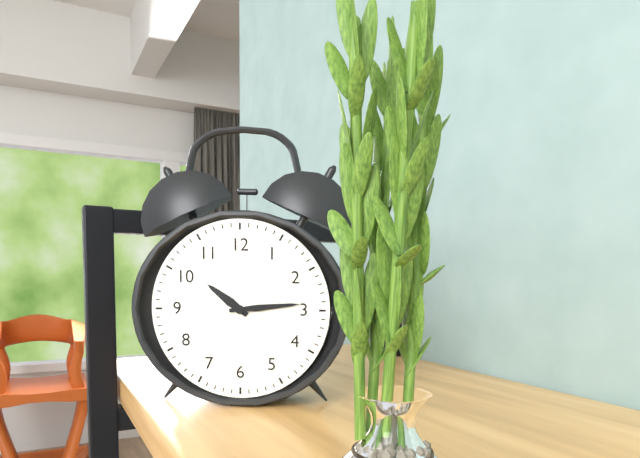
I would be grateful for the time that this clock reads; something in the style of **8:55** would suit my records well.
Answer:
**10:14**
